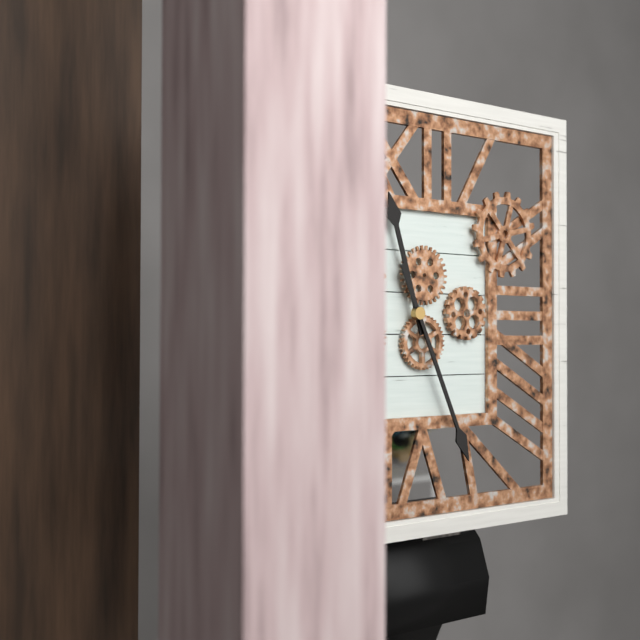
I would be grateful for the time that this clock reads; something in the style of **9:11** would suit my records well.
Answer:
**11:26**
